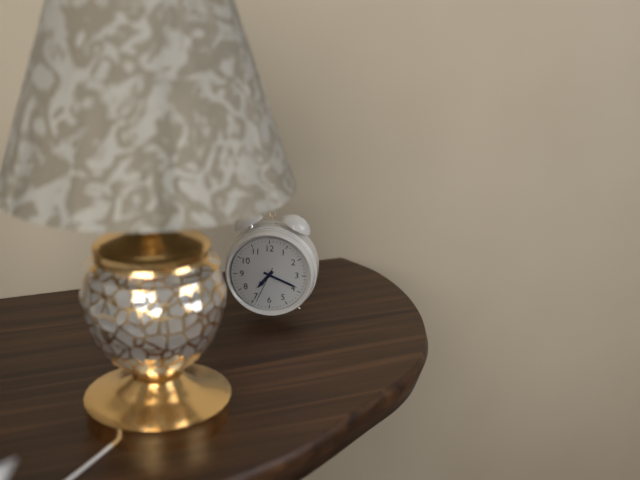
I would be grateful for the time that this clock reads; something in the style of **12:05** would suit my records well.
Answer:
**7:19**
